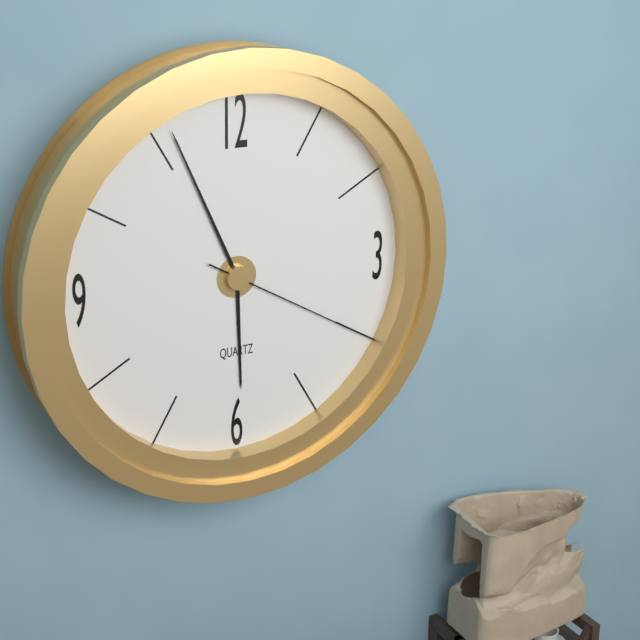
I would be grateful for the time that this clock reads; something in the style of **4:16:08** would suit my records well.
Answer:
**5:56:20**
